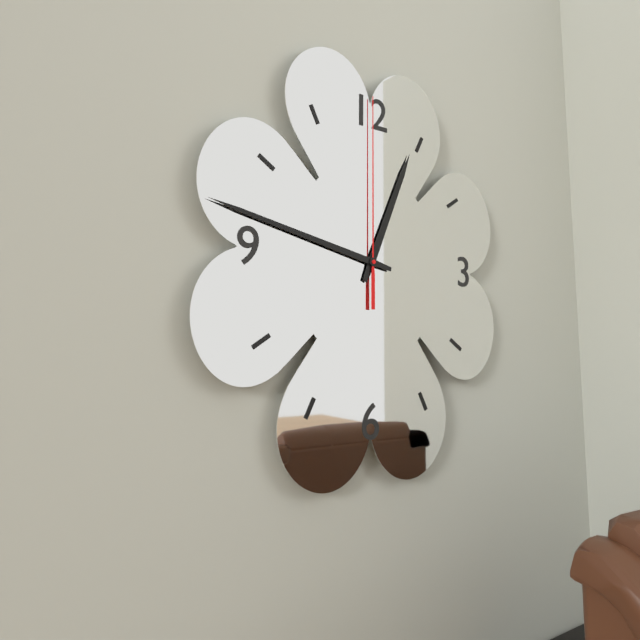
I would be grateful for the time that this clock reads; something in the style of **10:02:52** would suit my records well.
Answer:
**12:47:00**
